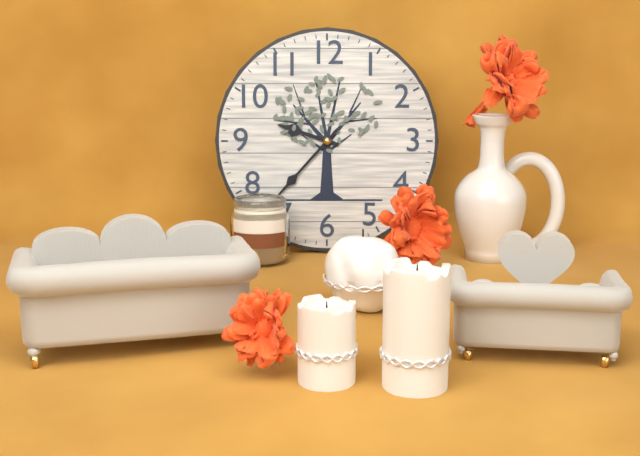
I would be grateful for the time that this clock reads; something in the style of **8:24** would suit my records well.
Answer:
**9:37**
